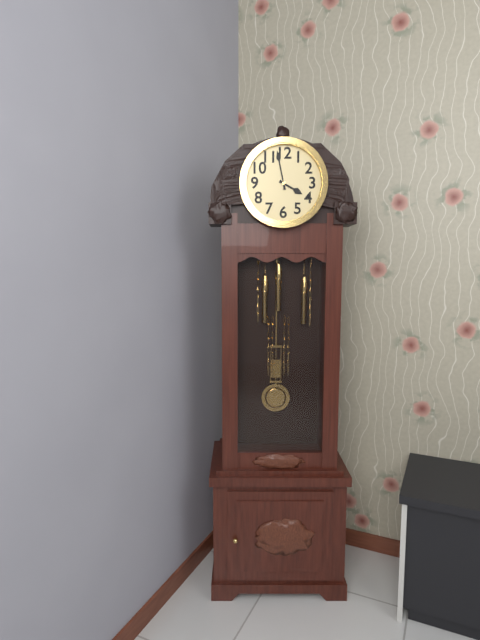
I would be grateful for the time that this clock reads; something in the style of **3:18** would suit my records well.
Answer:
**3:58**
